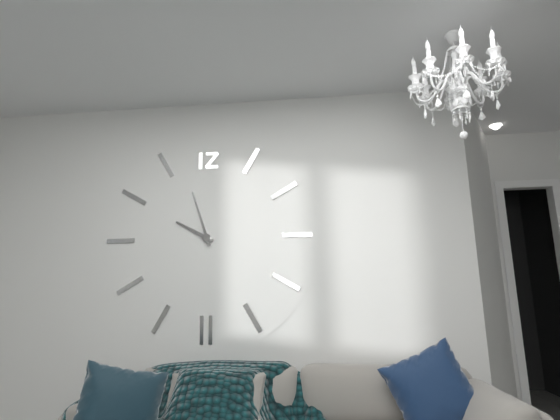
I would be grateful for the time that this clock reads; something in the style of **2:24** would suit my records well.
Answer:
**9:57**
